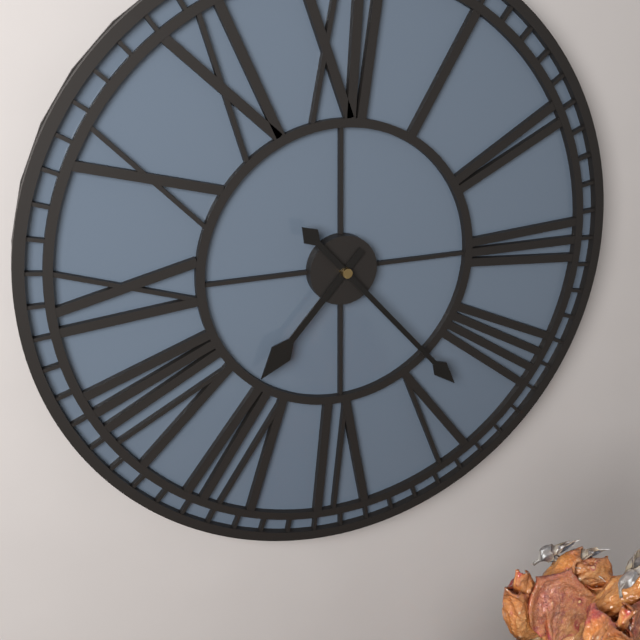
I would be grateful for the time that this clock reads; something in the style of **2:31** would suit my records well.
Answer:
**7:23**
